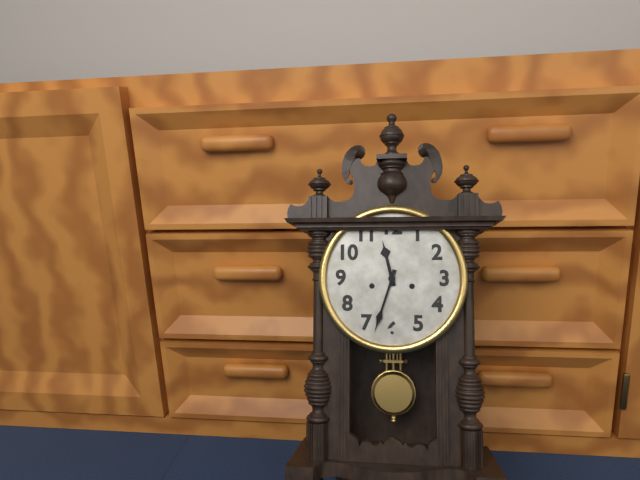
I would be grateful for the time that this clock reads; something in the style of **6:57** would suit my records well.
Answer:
**11:33**
